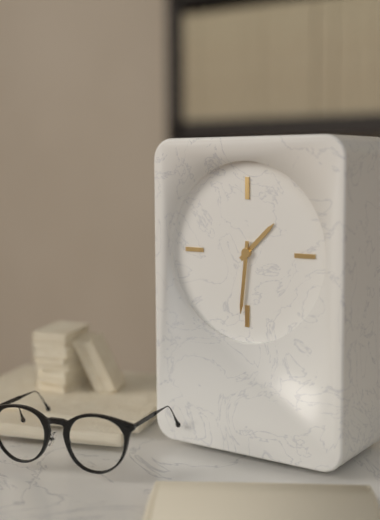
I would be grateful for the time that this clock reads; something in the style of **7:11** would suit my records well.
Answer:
**1:31**
